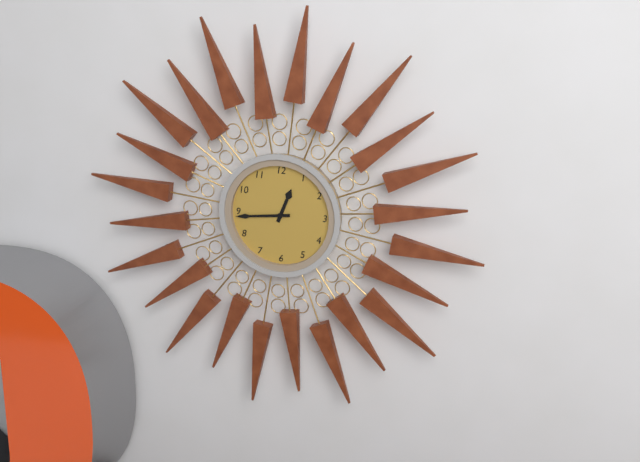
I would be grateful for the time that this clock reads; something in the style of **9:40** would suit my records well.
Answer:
**12:44**
